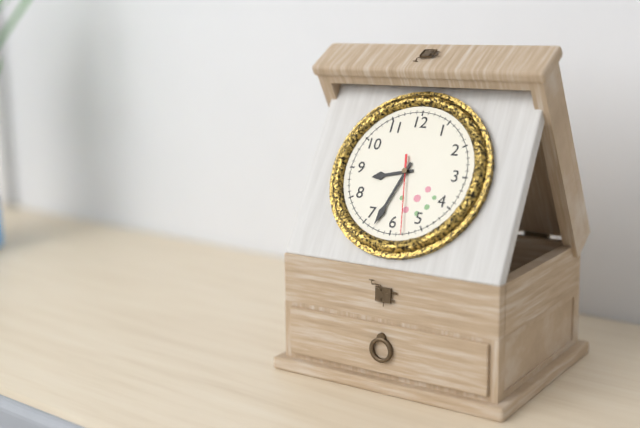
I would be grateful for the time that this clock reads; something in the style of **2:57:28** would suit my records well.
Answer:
**8:33:28**
